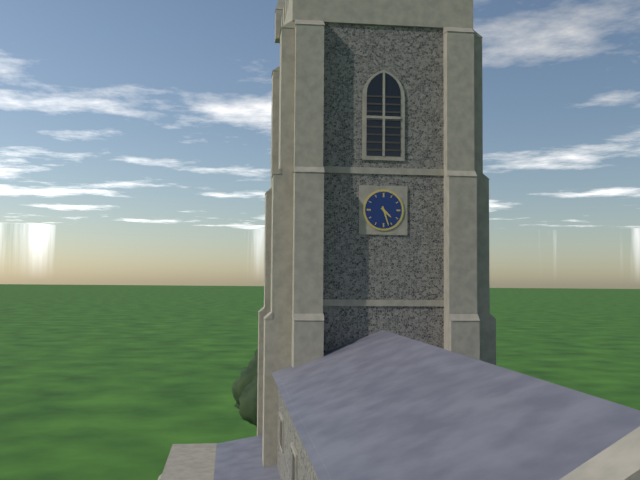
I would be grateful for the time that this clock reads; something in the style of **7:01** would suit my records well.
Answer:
**4:27**
